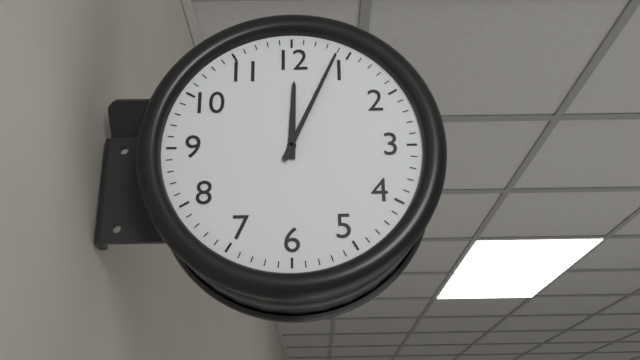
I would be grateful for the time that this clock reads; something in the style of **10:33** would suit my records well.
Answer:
**12:04**
